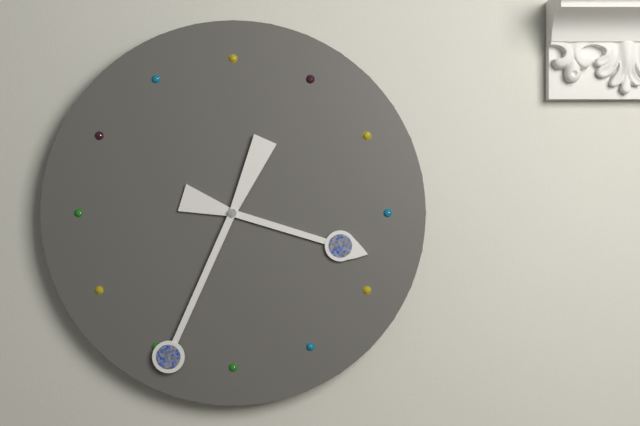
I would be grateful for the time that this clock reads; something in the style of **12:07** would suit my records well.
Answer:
**3:34**
